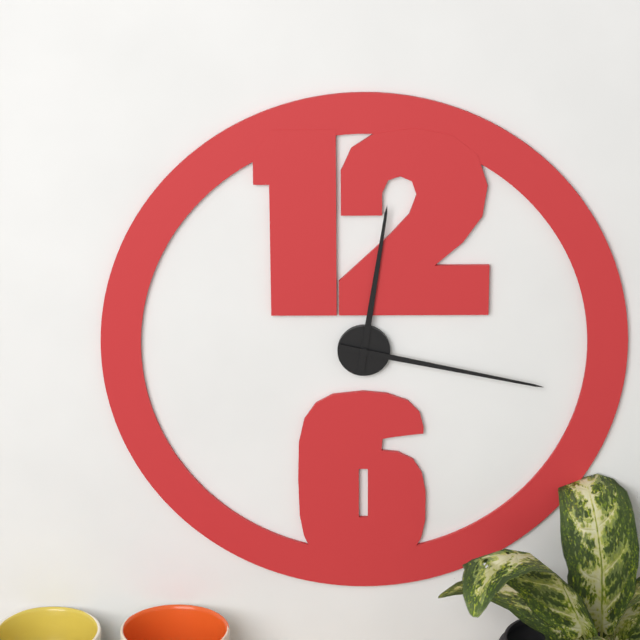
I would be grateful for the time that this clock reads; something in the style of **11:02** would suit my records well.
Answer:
**12:17**
